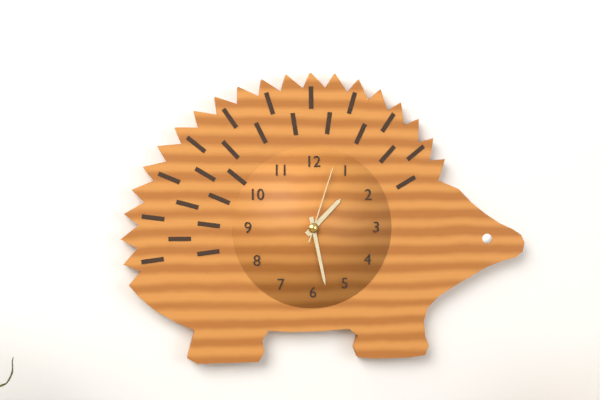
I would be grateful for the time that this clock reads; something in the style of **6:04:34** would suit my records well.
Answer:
**1:28:03**
